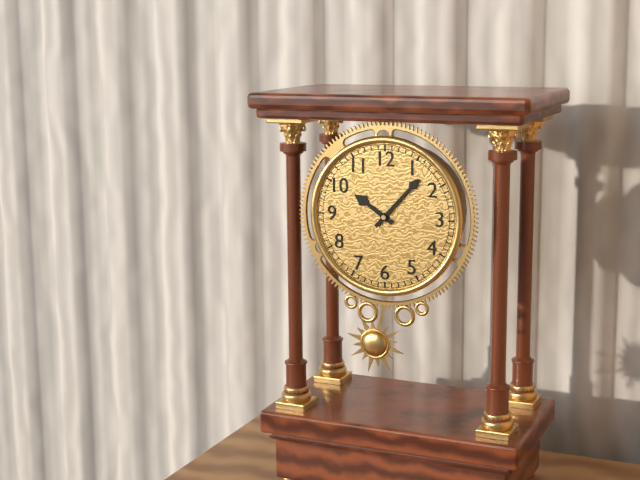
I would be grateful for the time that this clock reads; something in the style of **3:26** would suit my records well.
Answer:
**10:07**
